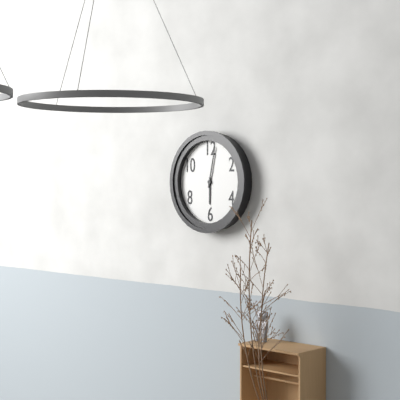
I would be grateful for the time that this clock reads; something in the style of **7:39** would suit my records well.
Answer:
**6:02**
